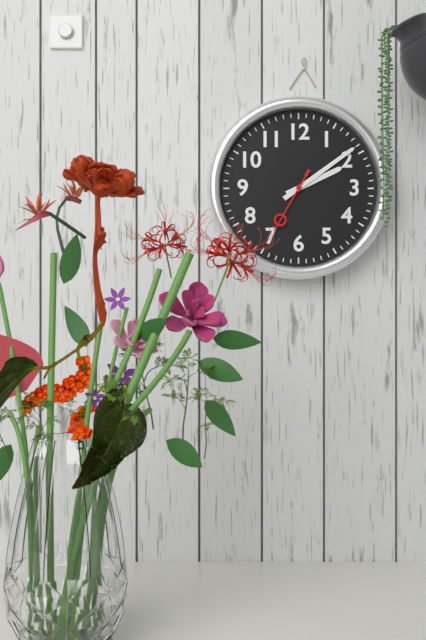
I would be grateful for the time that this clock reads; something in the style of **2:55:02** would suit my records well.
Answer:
**2:09:35**
